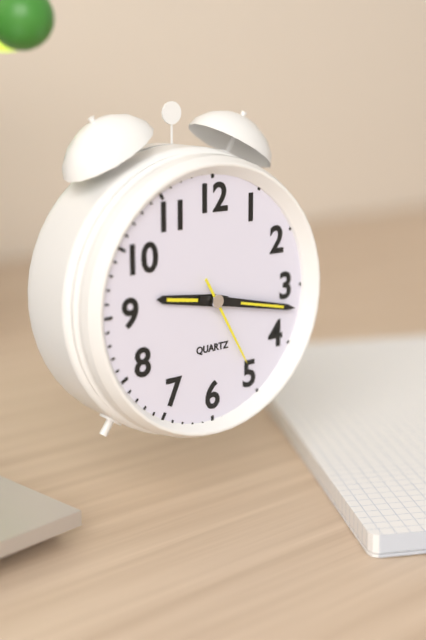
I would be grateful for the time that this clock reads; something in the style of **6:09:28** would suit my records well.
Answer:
**9:17:25**
